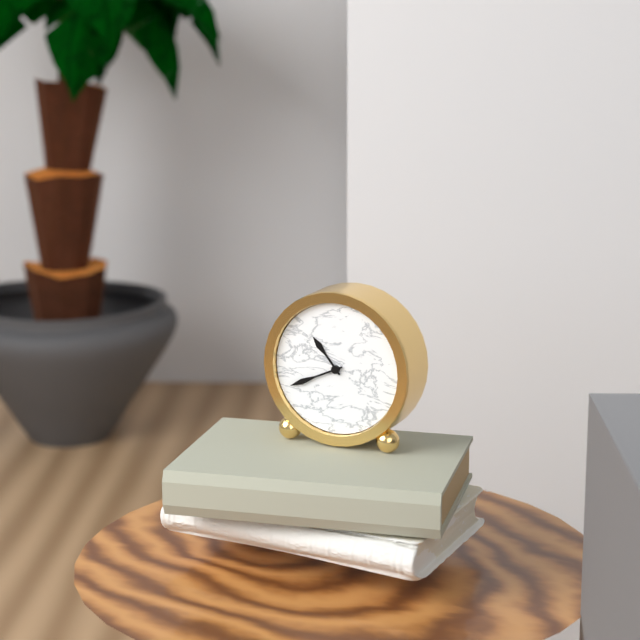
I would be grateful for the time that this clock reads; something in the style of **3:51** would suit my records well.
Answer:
**10:41**
